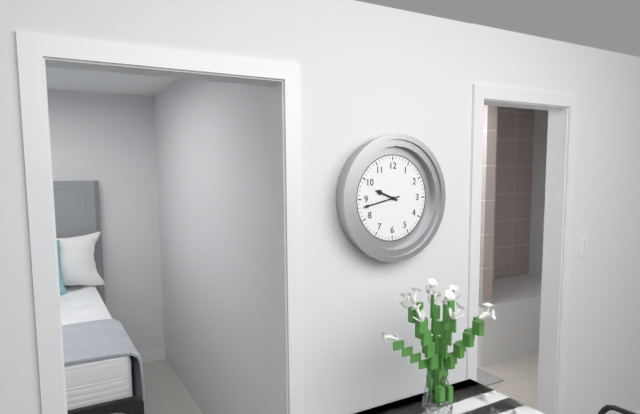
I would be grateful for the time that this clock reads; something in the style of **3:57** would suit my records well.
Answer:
**9:43**
